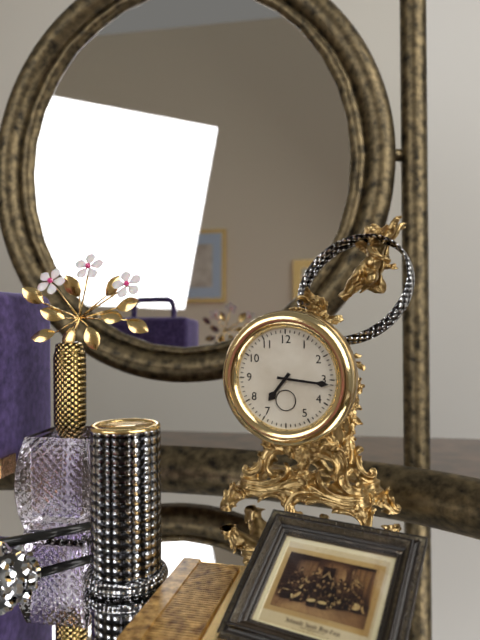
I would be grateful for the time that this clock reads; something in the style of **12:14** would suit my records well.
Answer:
**7:16**
